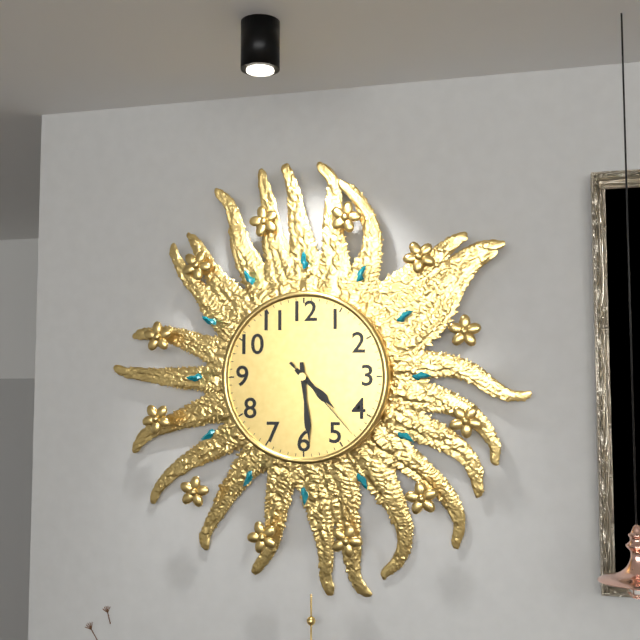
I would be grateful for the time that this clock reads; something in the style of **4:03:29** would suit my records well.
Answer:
**4:29:23**
